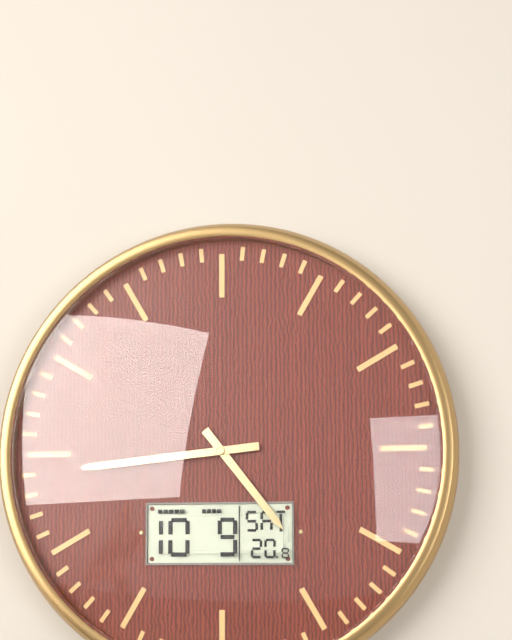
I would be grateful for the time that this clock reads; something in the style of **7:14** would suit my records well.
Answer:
**4:44**
